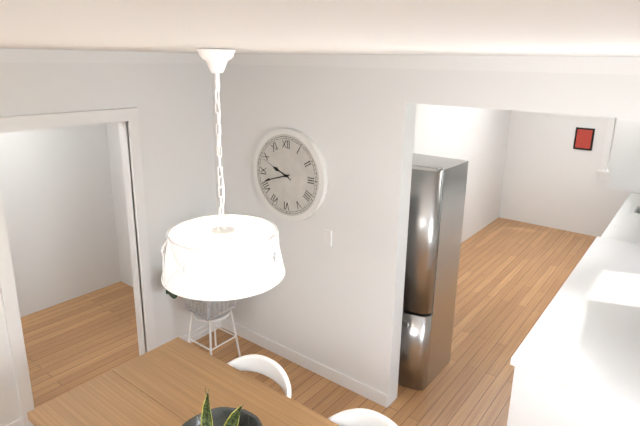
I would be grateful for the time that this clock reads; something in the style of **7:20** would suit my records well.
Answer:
**9:42**
